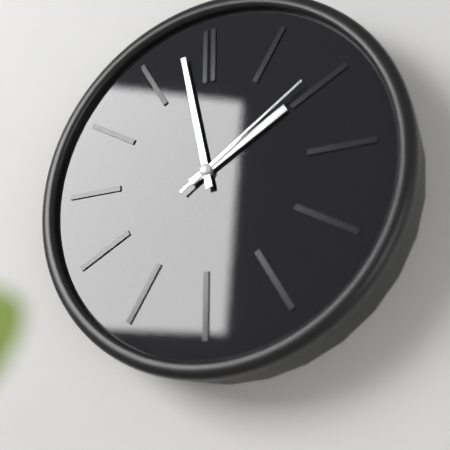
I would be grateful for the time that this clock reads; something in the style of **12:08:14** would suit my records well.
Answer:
**1:58:09**
